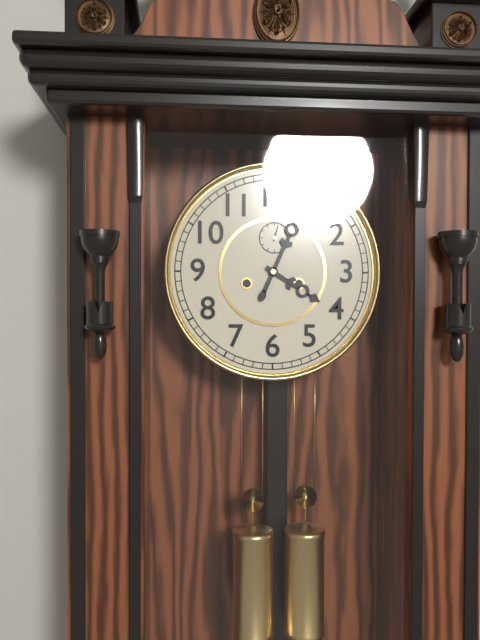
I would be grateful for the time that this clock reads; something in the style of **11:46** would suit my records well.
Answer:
**4:04**
